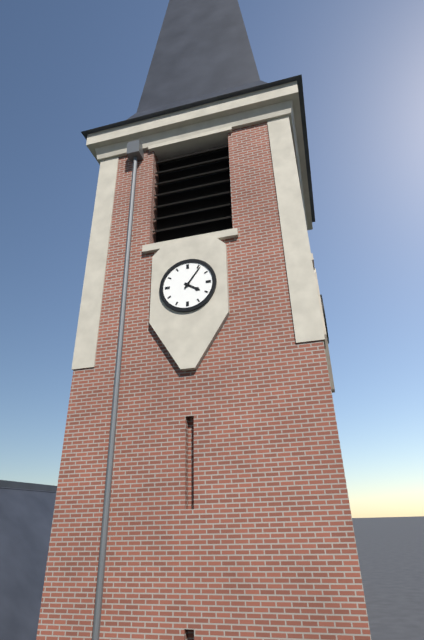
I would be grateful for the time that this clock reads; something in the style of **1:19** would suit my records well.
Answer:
**4:06**
